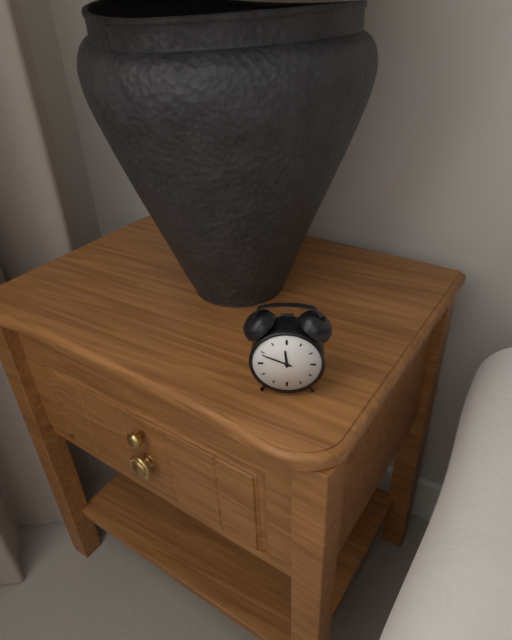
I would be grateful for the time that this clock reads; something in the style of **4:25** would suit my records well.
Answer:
**11:49**
